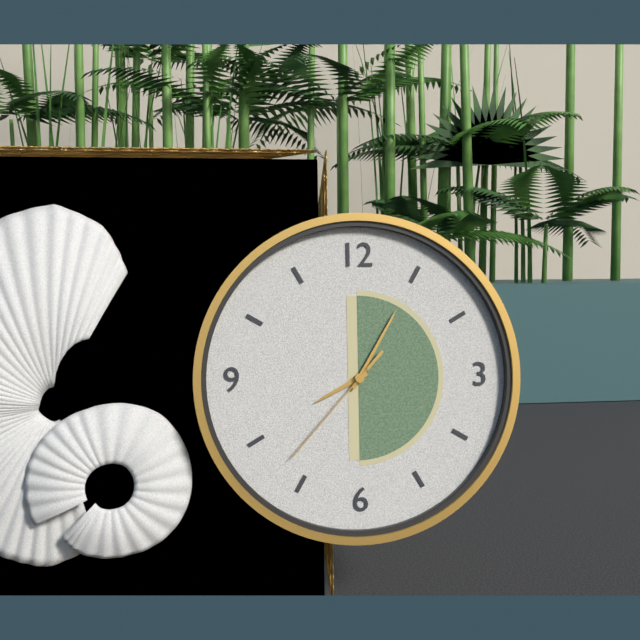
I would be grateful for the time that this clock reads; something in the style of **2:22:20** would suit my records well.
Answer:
**8:05:37**
